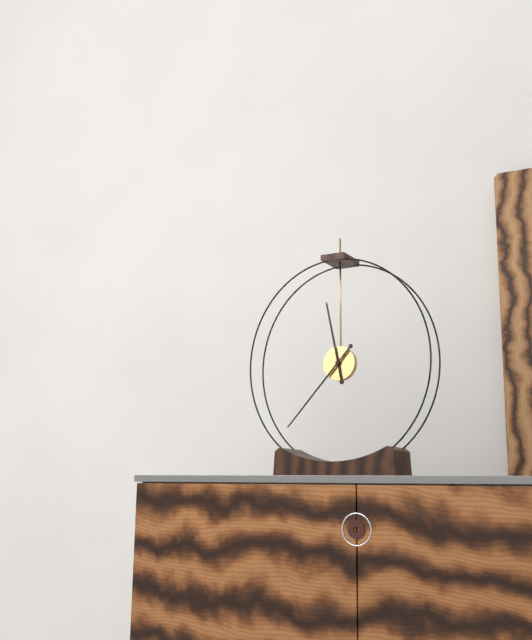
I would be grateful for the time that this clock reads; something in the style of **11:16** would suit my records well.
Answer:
**11:37**
